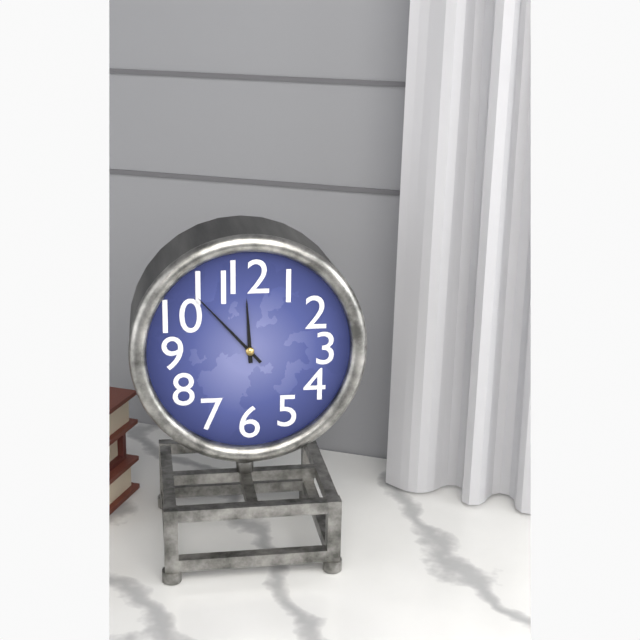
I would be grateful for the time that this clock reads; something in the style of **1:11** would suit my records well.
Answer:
**11:53**
